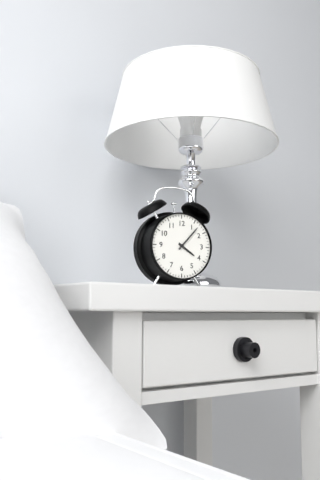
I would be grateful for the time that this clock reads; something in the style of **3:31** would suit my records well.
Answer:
**4:07**
